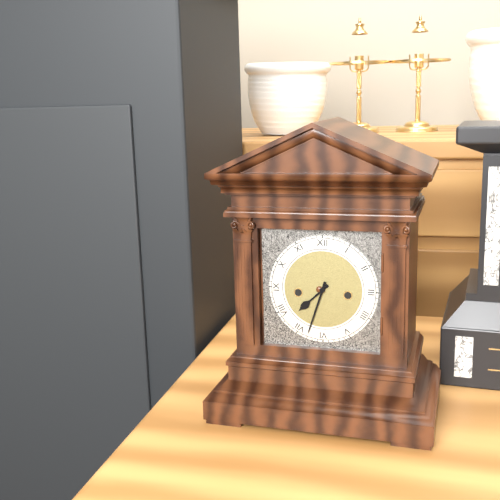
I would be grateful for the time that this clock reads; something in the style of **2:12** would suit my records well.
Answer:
**7:33**
